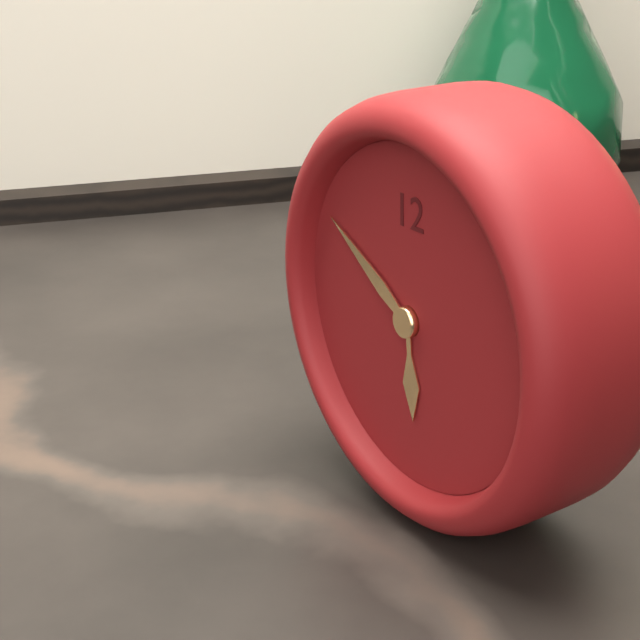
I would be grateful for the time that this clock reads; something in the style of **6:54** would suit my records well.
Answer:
**5:50**
